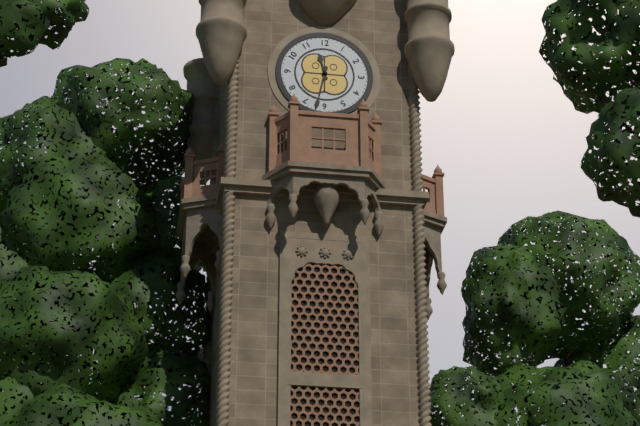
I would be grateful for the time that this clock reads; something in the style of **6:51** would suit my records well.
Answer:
**11:32**
